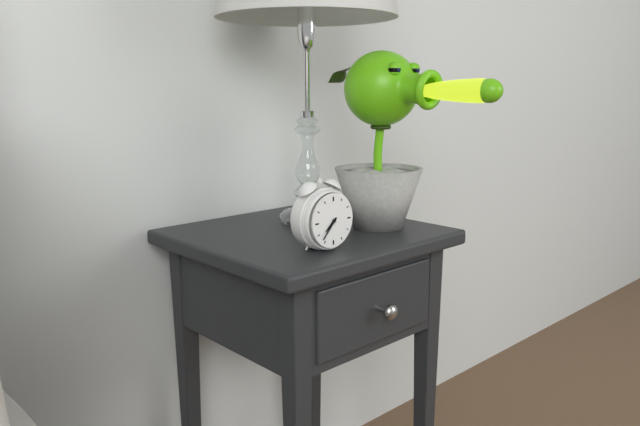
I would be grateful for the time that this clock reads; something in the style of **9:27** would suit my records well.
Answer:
**7:37**
